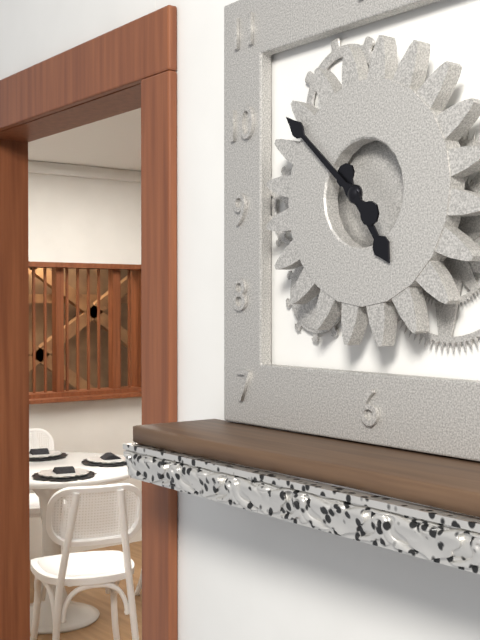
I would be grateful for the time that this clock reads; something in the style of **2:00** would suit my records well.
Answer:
**4:52**
